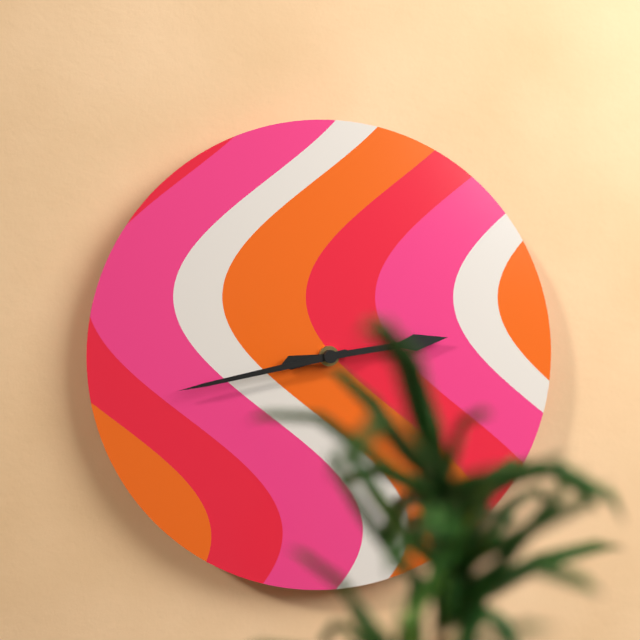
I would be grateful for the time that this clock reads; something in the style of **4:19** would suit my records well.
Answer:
**2:43**
